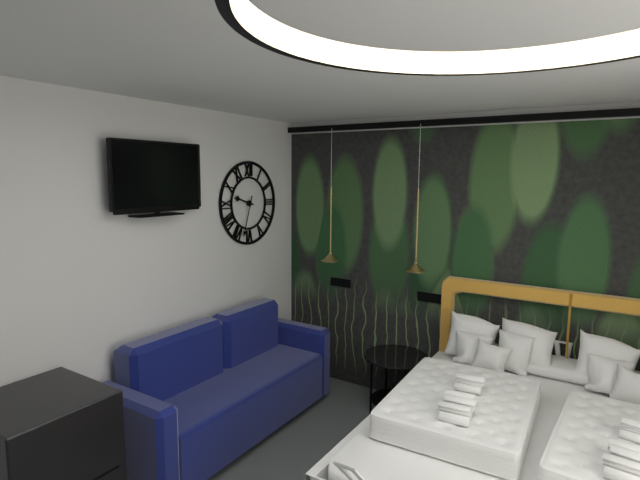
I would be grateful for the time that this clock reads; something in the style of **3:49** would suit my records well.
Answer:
**9:33**
